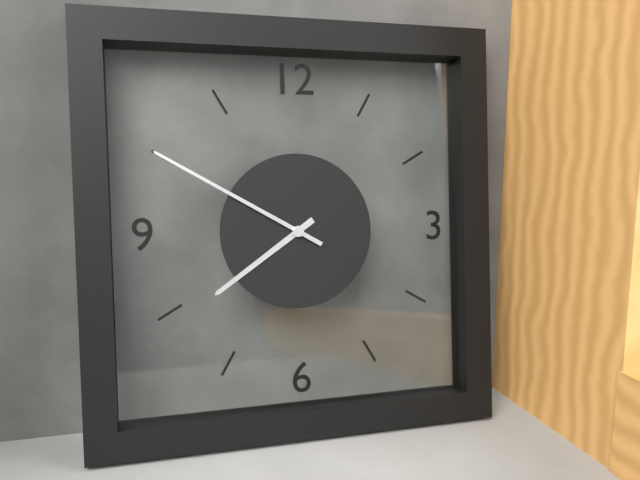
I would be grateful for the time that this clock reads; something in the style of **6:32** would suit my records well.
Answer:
**7:50**
